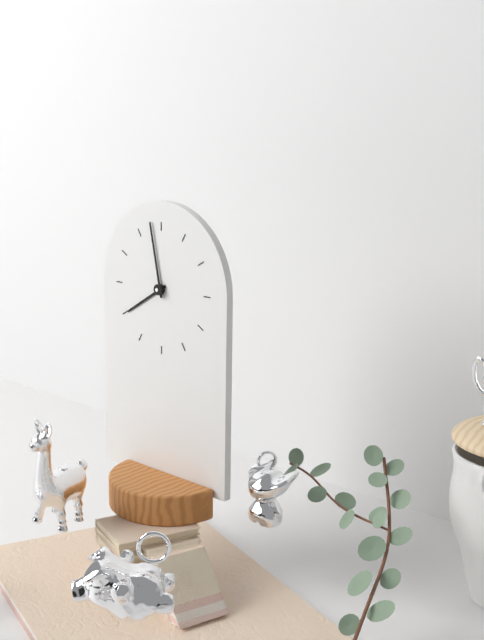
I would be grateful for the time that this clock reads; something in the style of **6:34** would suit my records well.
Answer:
**7:58**
